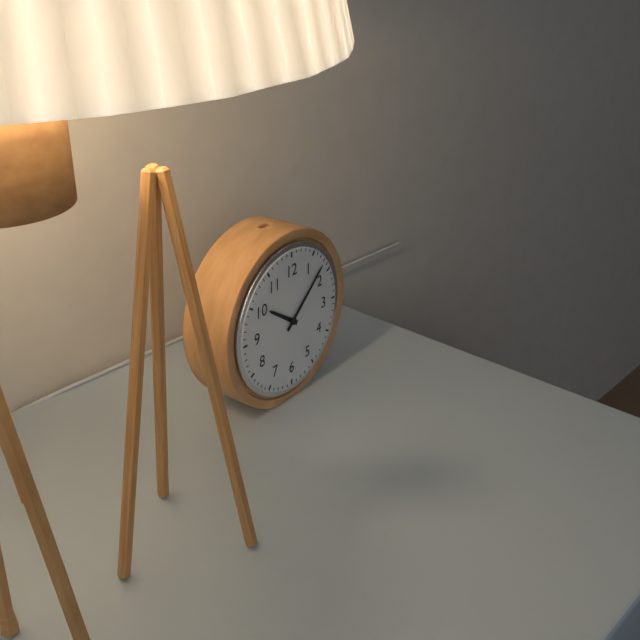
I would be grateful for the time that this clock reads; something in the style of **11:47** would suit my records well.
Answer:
**10:08**
